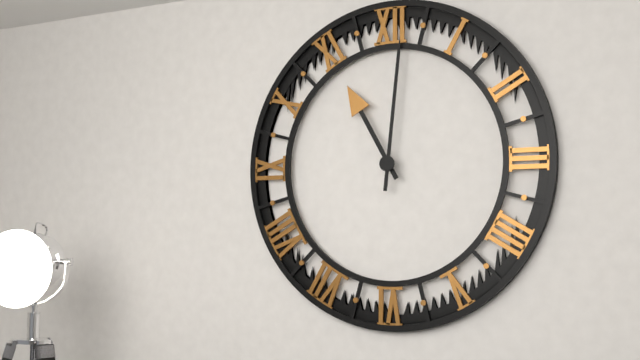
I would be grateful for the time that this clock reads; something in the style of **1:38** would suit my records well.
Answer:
**11:01**
